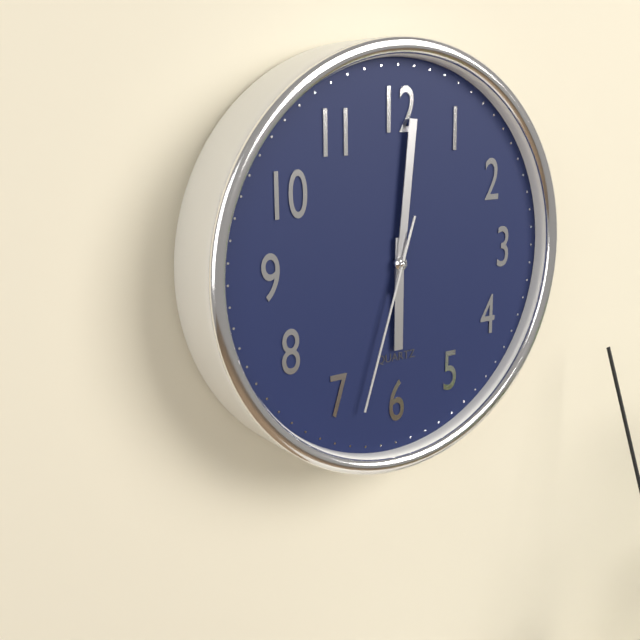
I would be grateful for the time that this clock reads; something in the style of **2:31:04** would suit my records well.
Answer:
**6:01:33**
